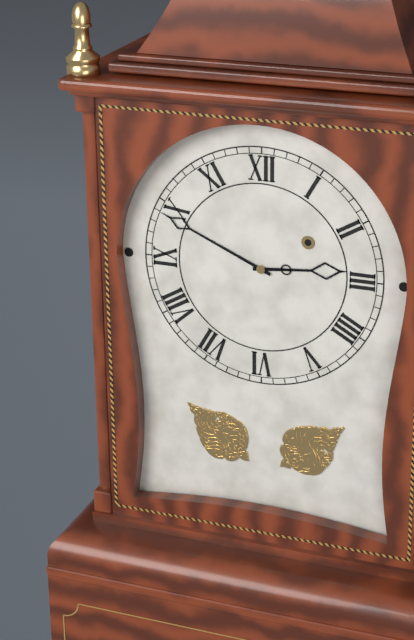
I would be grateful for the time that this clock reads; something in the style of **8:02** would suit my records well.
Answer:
**2:49**
